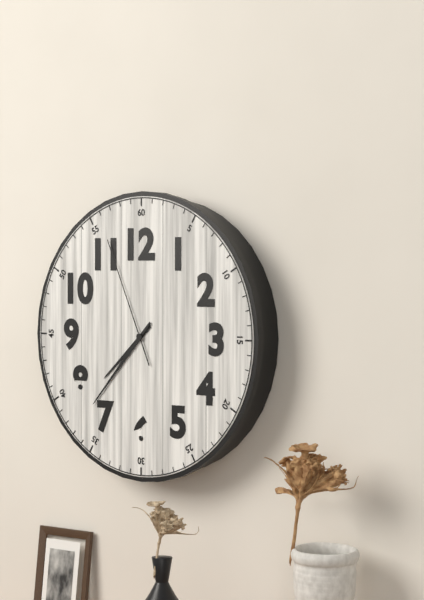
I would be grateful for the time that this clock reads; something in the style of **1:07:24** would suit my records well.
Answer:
**7:37:56**
